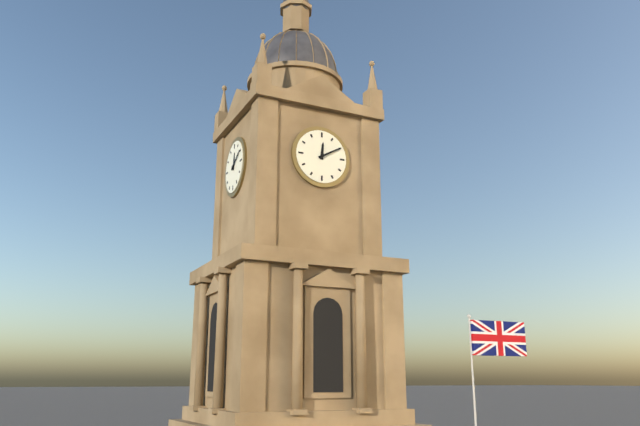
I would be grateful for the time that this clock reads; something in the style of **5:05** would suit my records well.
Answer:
**12:10**
